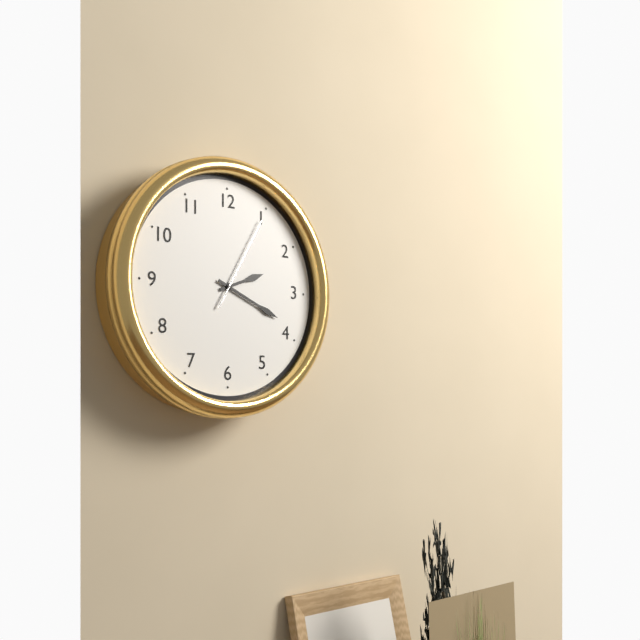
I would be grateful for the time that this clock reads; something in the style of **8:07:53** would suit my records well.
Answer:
**2:19:05**
